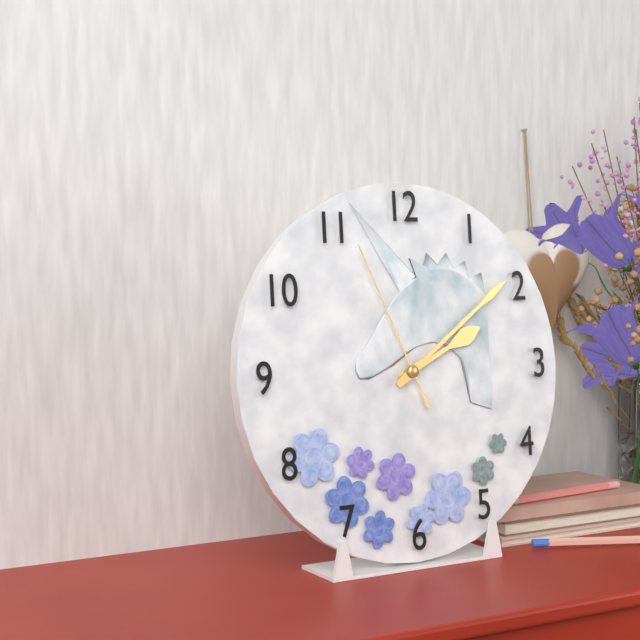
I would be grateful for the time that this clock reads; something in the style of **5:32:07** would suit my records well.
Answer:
**2:09:56**
